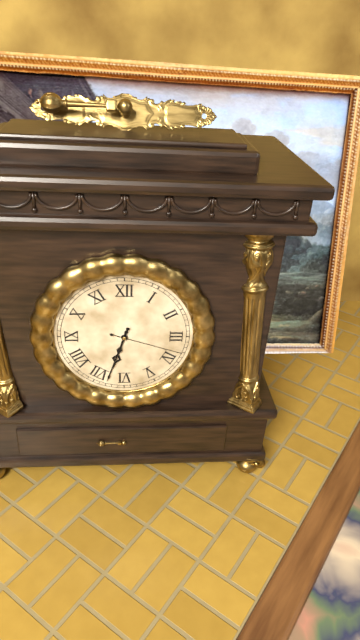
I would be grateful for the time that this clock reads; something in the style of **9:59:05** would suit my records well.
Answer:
**6:33:18**
